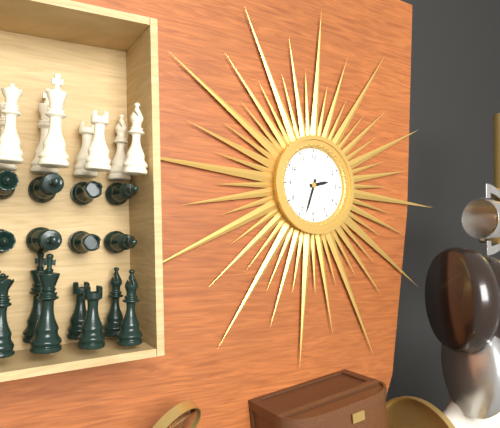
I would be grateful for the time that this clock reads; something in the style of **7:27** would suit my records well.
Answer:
**2:33**
